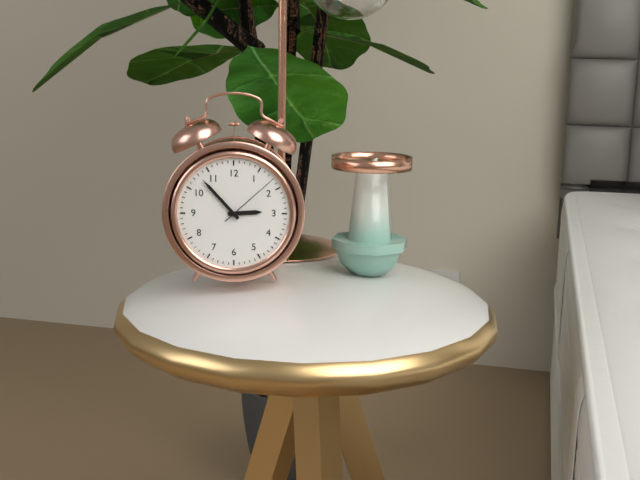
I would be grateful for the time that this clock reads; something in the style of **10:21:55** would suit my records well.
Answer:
**2:53:08**
